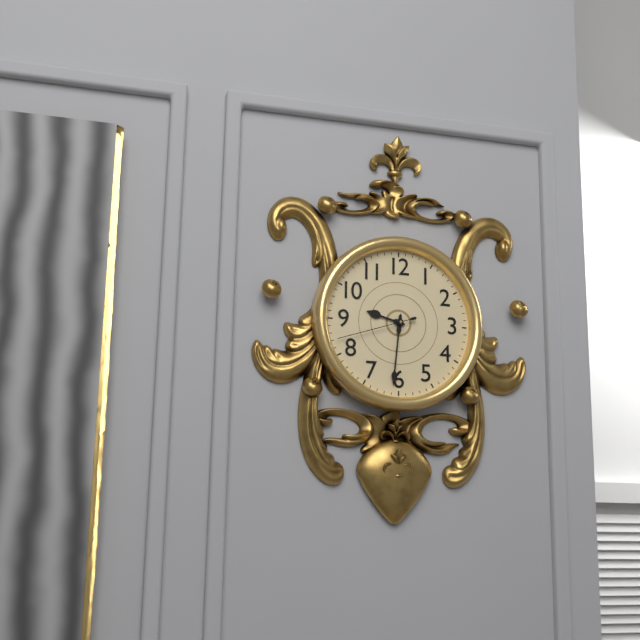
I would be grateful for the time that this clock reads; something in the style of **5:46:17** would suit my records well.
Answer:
**9:31:42**
